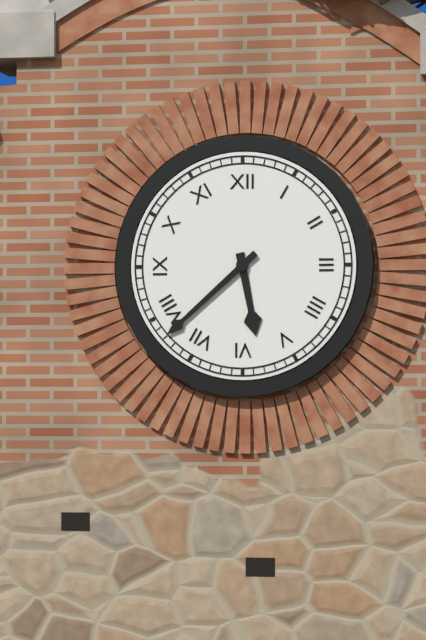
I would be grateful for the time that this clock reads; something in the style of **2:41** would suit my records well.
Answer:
**5:38**
